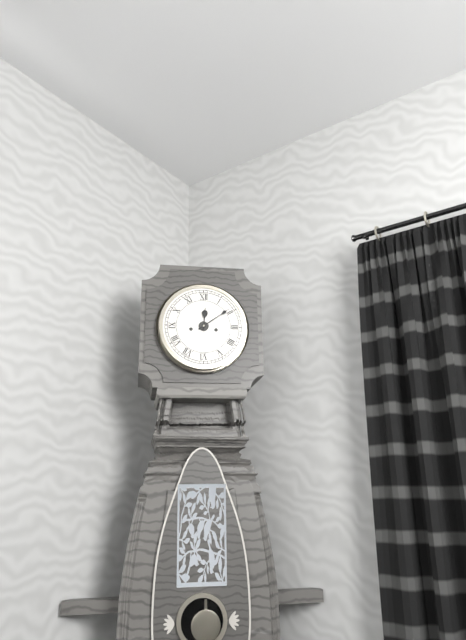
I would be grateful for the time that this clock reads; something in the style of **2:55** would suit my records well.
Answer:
**12:09**
